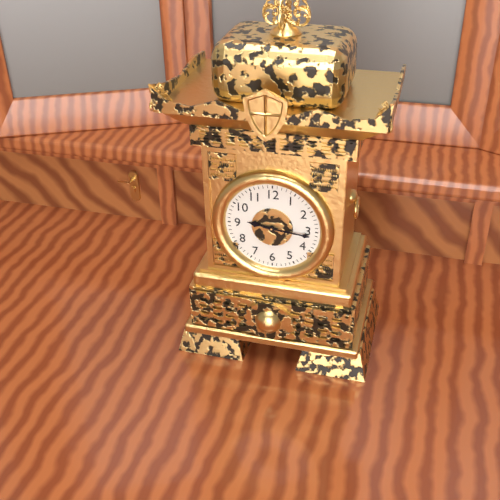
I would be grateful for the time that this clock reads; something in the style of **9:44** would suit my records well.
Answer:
**9:16**
